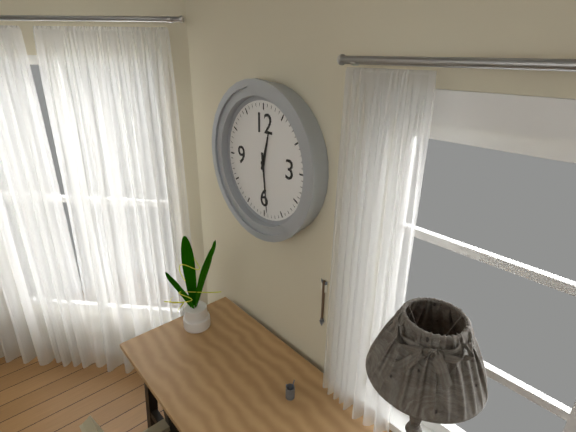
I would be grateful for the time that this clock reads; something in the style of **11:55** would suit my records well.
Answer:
**12:29**
